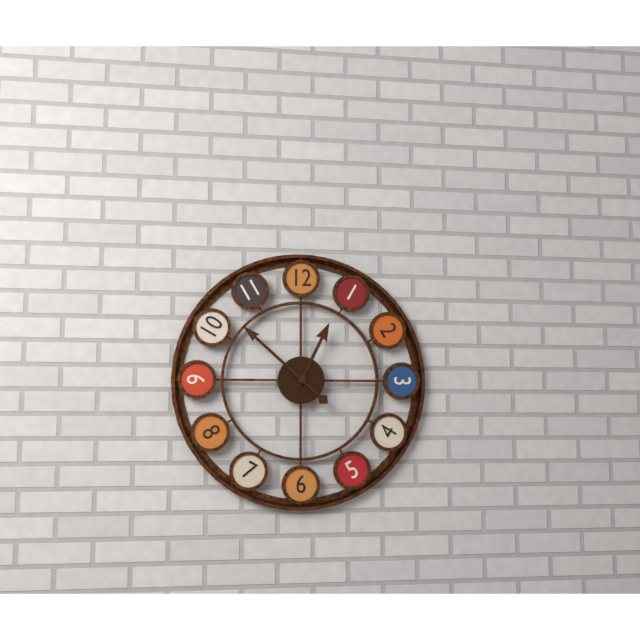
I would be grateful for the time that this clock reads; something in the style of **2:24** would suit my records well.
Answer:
**12:52**
